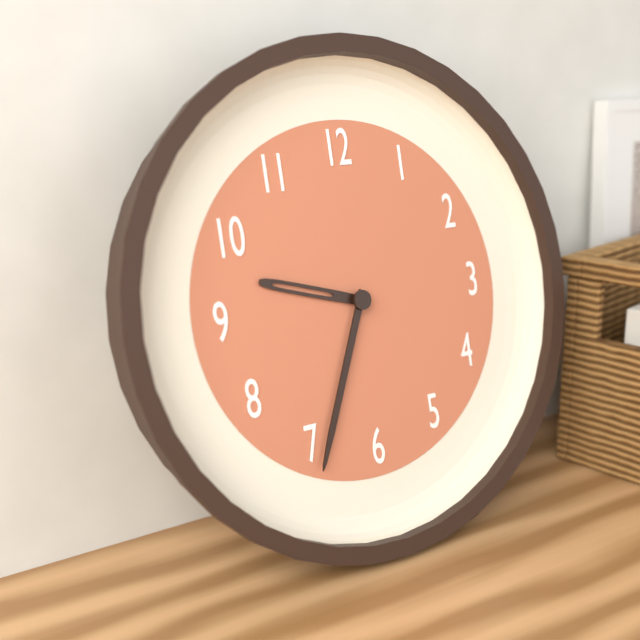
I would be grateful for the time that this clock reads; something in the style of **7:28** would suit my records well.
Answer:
**9:34**
